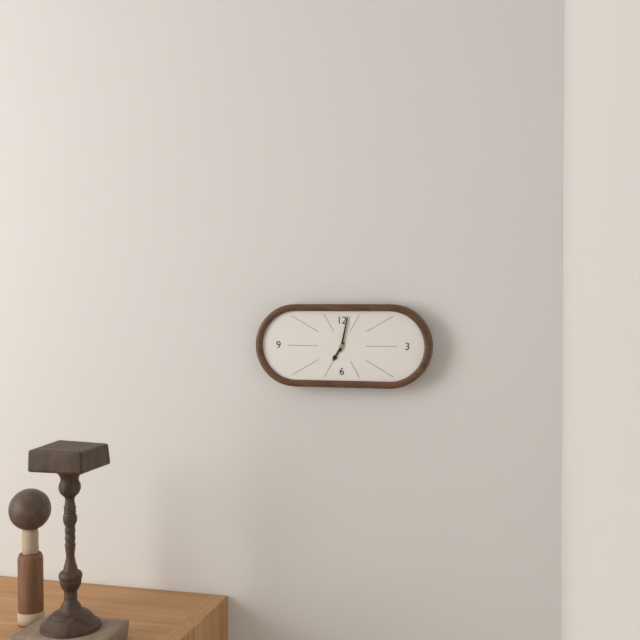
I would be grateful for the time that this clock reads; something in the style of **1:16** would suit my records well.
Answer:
**7:02**
